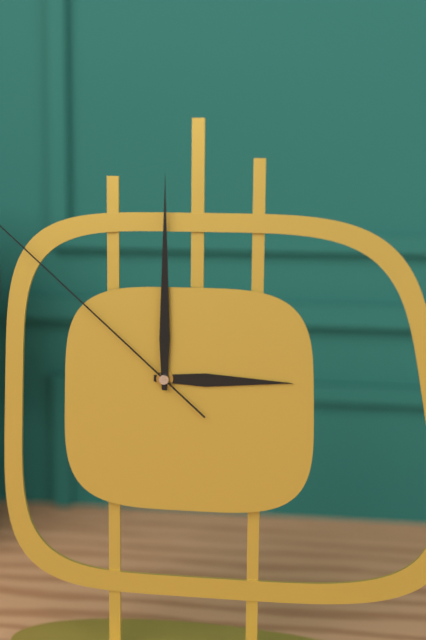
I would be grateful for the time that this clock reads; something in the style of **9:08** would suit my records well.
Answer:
**3:00**
